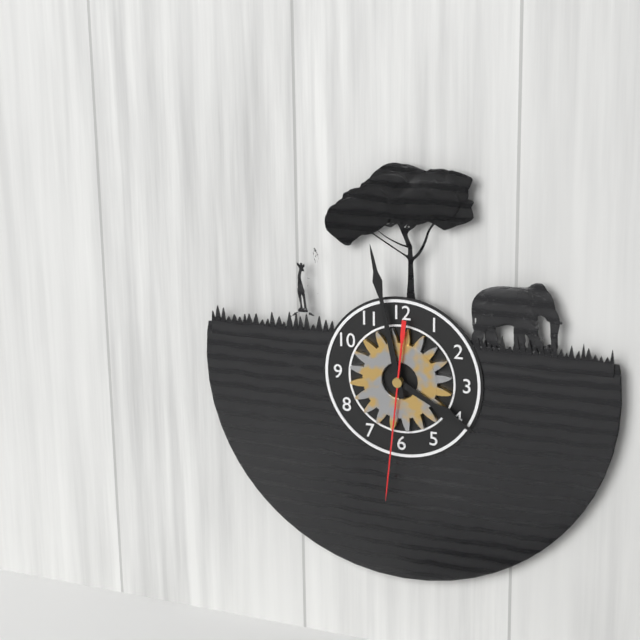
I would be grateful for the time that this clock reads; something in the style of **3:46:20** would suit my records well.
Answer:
**3:58:31**
